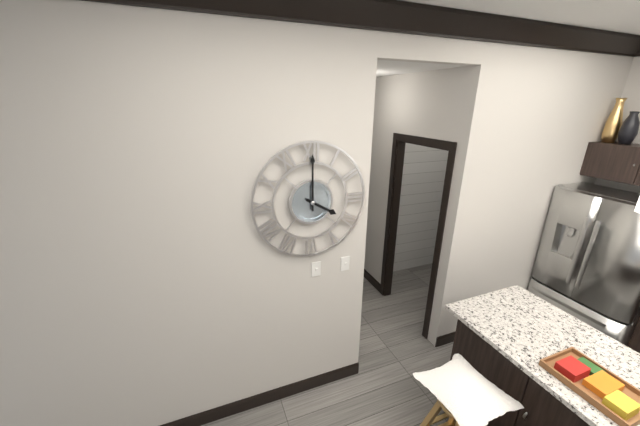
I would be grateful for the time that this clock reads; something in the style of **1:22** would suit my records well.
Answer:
**4:00**
